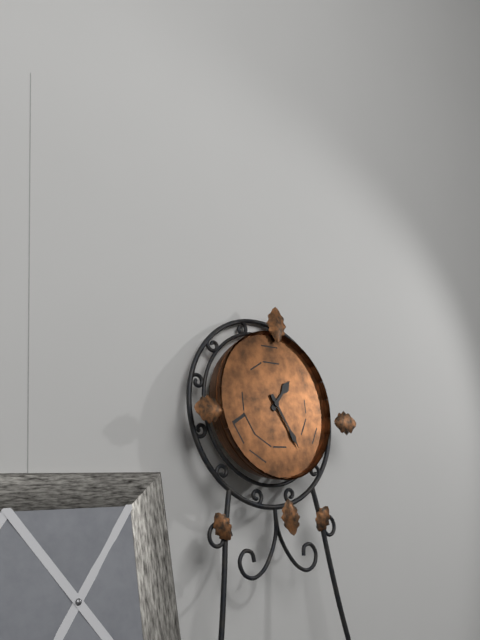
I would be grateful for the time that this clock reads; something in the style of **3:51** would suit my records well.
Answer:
**1:25**
